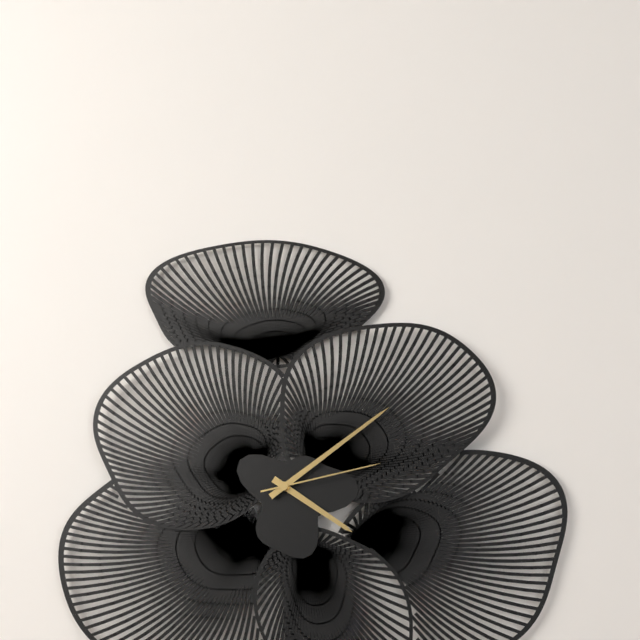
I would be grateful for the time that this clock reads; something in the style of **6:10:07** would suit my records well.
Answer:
**4:09:13**
